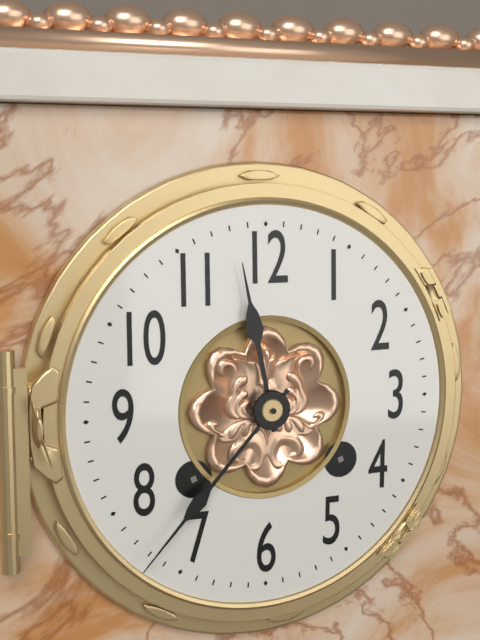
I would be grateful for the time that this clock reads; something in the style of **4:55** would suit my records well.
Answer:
**11:37**
